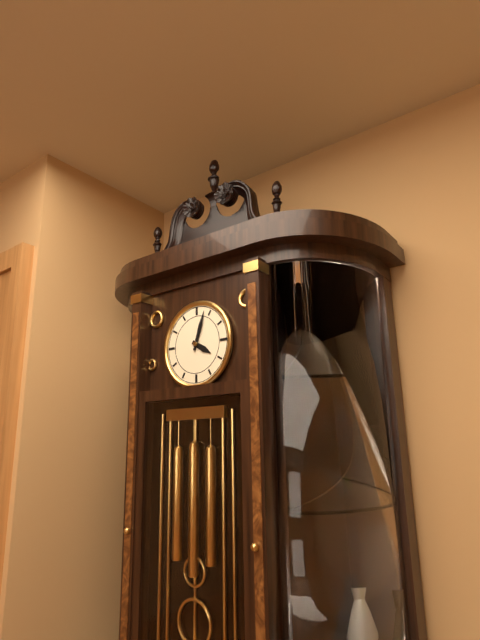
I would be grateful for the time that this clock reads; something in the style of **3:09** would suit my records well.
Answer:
**4:03**
